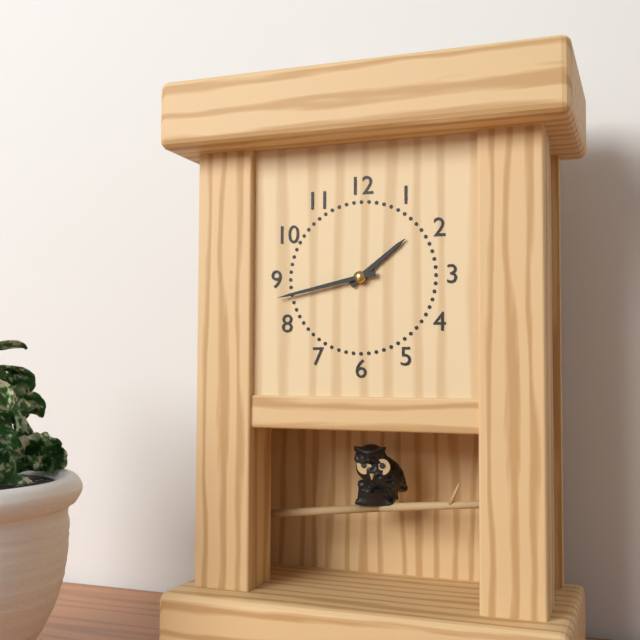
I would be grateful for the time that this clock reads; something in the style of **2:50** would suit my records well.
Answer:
**1:43**
